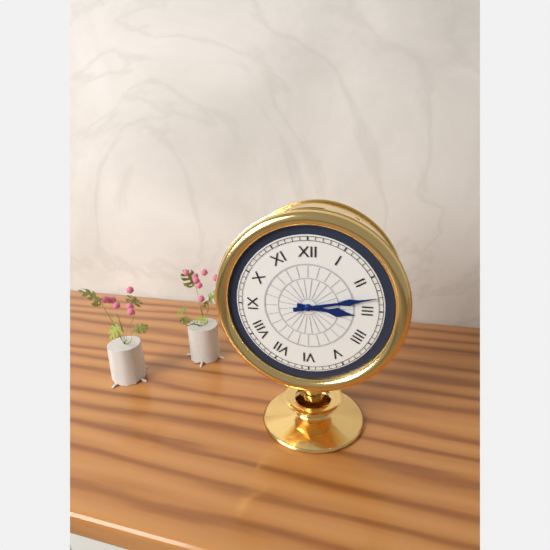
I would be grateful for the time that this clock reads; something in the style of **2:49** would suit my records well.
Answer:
**3:13**
